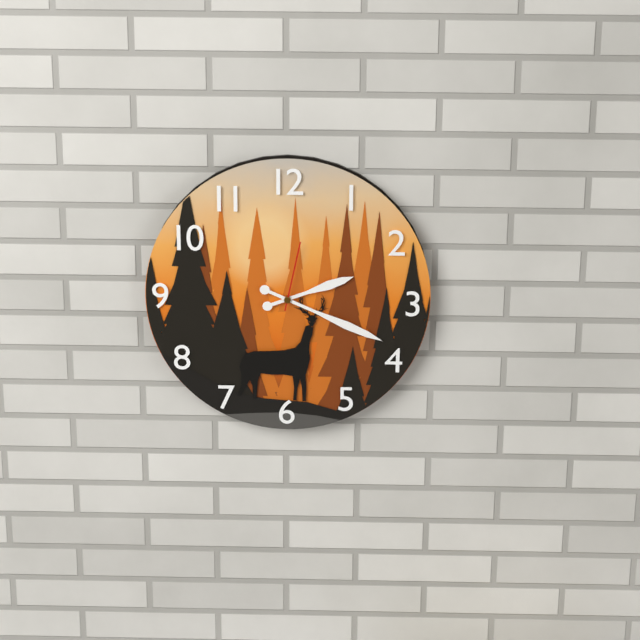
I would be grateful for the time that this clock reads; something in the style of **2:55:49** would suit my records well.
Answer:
**2:19:02**
